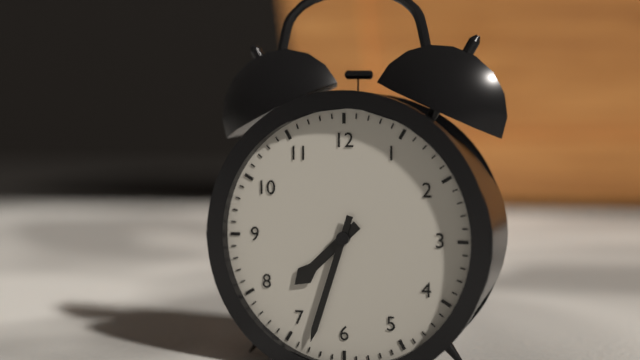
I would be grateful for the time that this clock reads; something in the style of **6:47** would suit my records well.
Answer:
**7:33**
